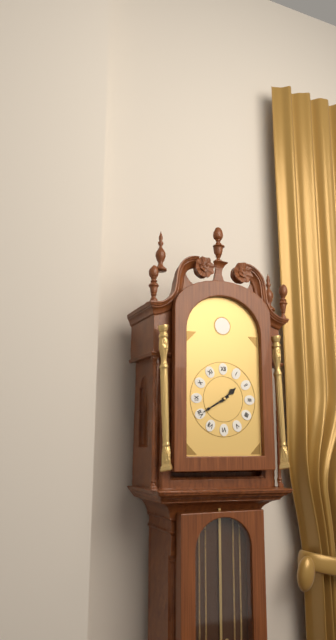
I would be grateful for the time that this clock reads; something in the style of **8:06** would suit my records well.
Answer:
**1:40**
